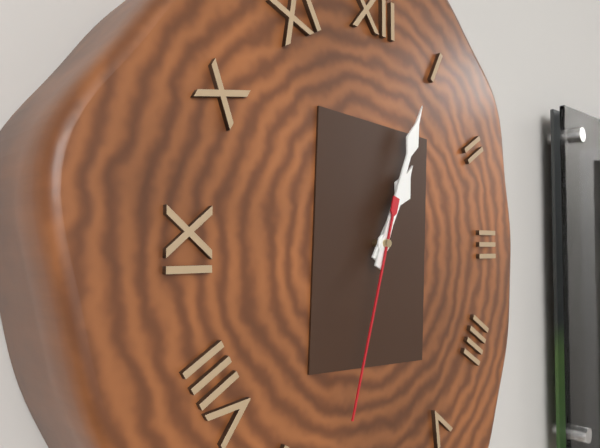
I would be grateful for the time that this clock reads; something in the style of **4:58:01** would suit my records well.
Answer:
**1:04:33**
